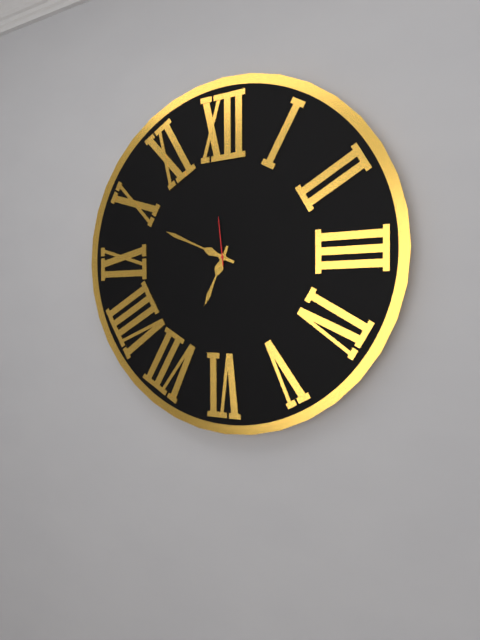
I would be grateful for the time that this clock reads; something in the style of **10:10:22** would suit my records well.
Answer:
**6:49:59**
